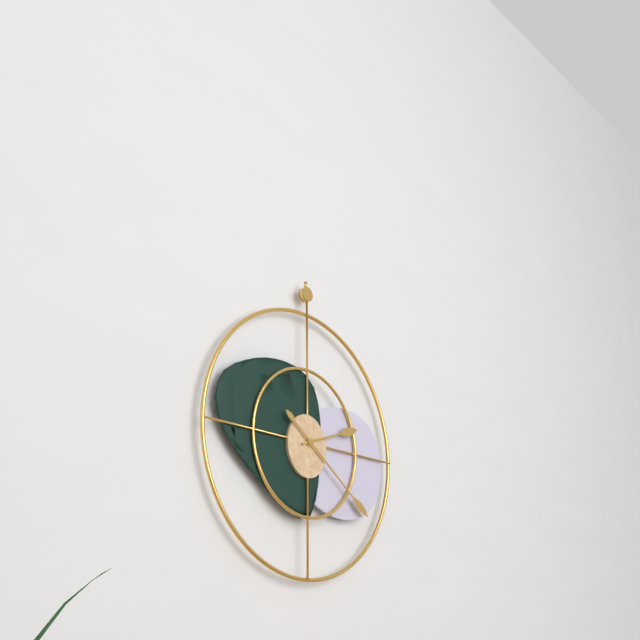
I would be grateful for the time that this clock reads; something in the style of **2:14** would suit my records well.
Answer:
**2:21**
